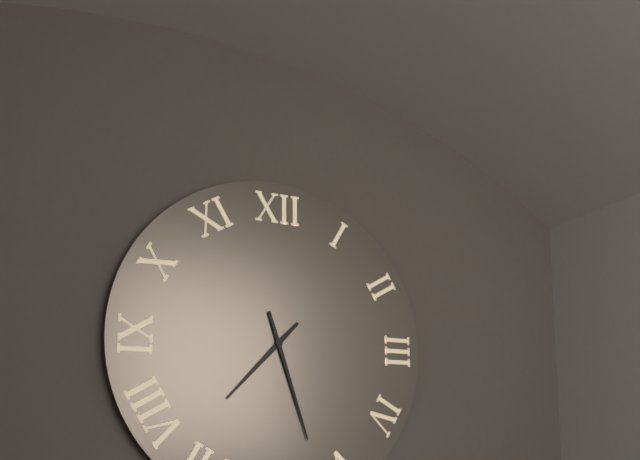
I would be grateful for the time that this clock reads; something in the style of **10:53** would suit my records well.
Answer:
**7:27**
